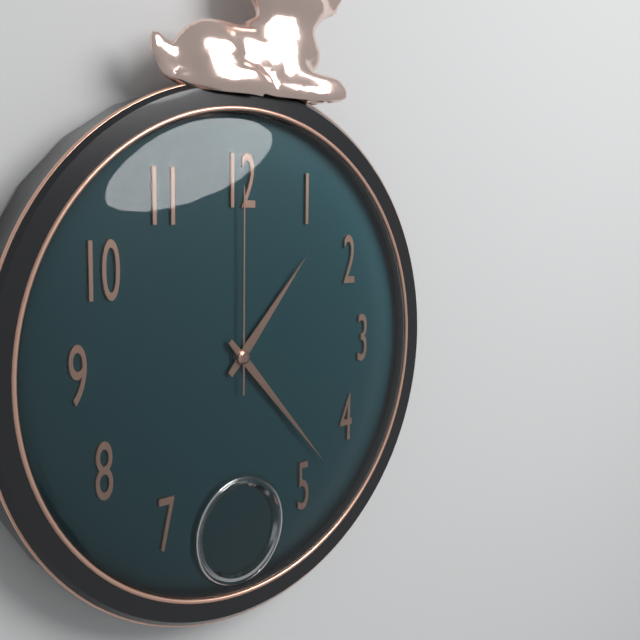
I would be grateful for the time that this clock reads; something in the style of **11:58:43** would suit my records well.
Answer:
**1:23:00**
